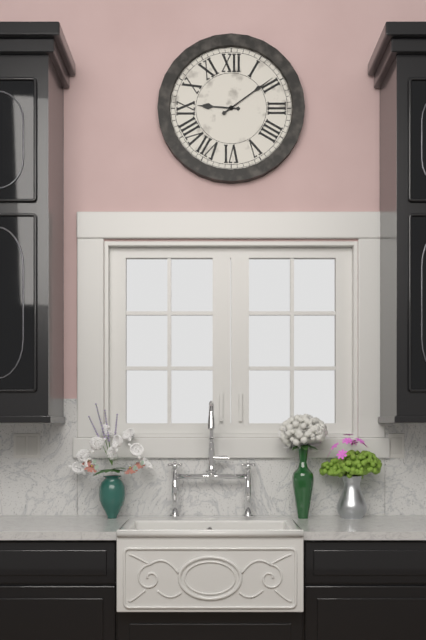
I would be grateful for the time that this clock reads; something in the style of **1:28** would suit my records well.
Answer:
**9:09**
